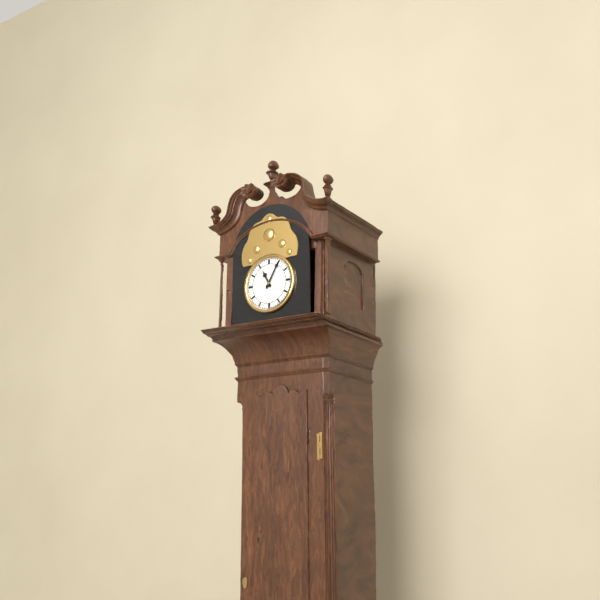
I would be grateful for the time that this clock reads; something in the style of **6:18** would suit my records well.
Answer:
**11:05**
